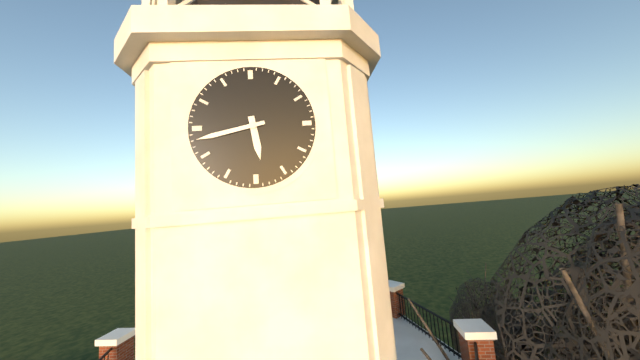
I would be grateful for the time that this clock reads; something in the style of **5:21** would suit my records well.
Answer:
**5:43**
